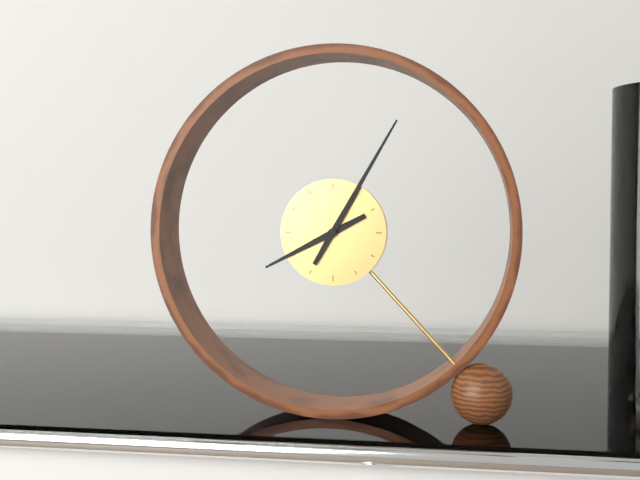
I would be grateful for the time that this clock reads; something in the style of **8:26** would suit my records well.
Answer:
**8:05**
